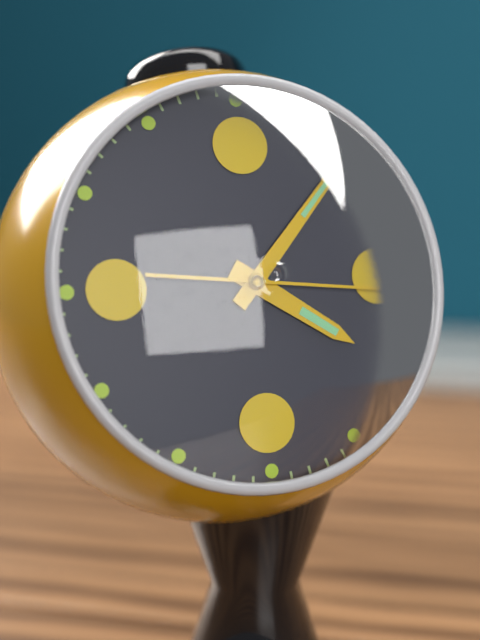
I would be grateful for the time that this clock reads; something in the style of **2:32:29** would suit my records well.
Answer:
**4:07:16**
